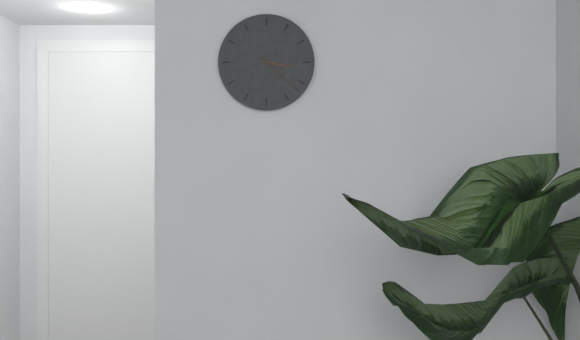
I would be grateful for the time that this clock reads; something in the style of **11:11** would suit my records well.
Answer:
**3:22**
